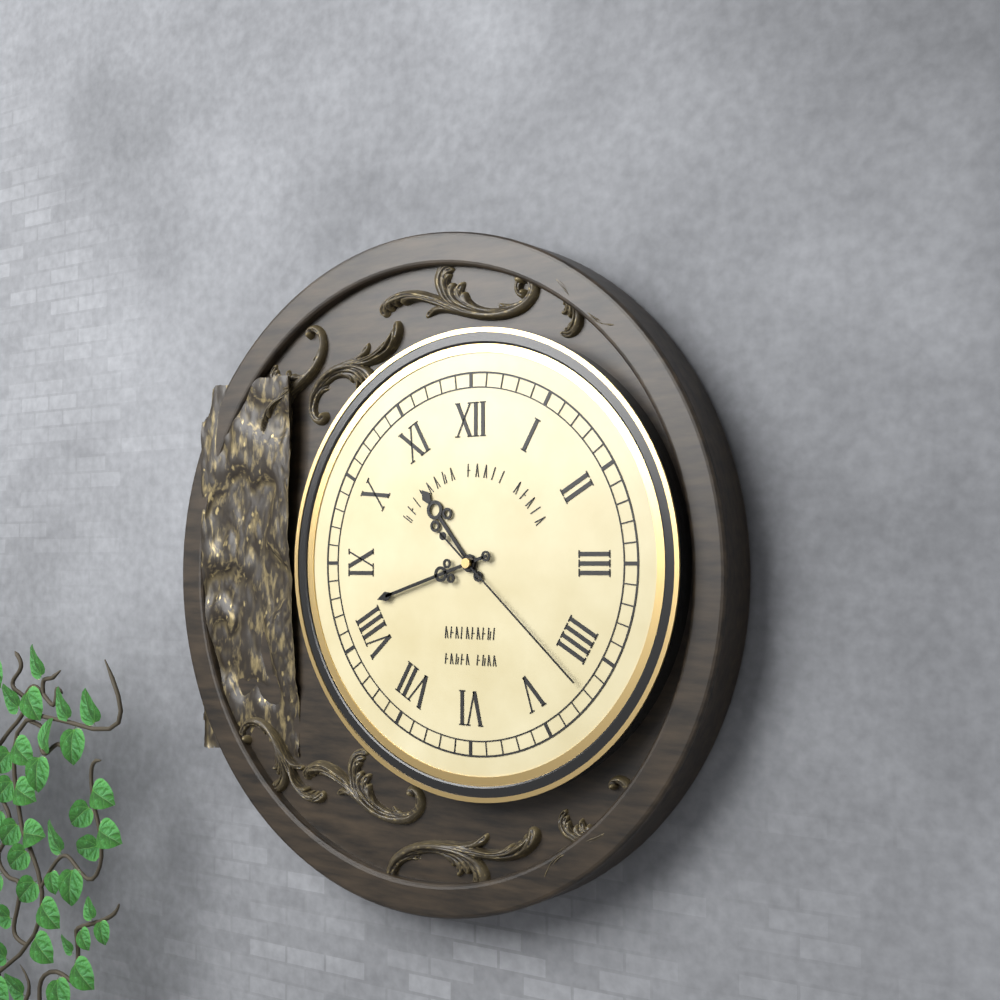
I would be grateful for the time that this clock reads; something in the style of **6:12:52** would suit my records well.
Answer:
**10:42:22**
